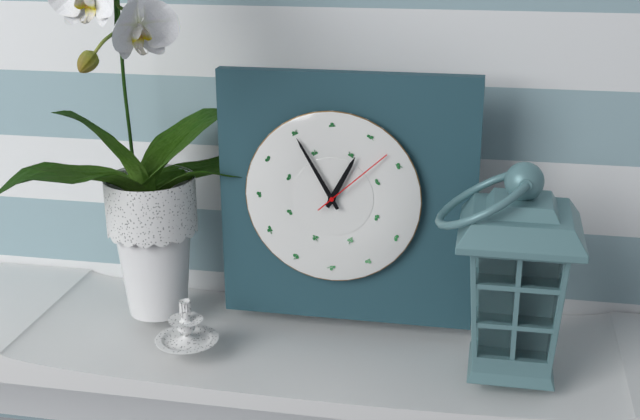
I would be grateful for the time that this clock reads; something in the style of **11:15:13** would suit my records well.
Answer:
**12:55:08**
